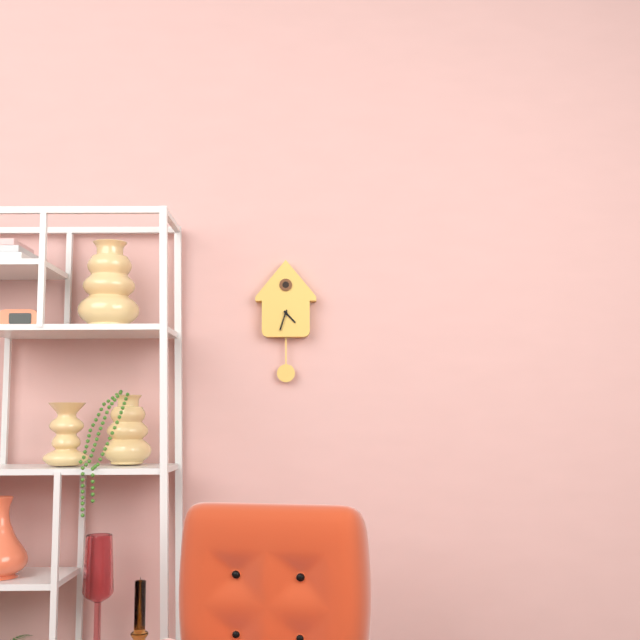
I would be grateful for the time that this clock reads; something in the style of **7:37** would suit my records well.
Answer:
**4:33**
